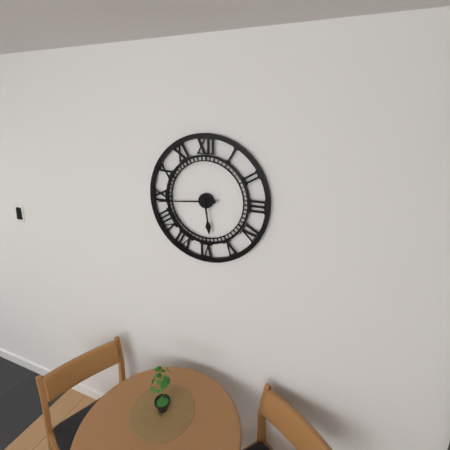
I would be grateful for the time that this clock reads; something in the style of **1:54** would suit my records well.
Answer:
**5:44**
